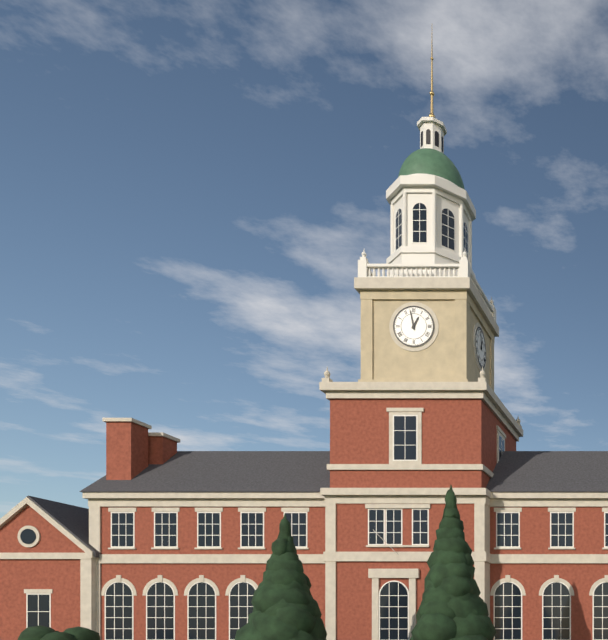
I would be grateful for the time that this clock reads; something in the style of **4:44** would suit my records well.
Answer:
**12:58**
